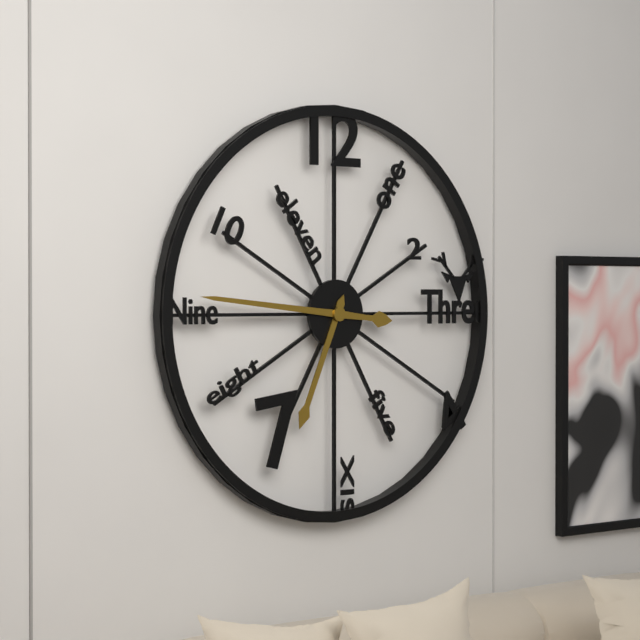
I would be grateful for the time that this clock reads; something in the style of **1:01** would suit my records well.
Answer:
**6:46**
